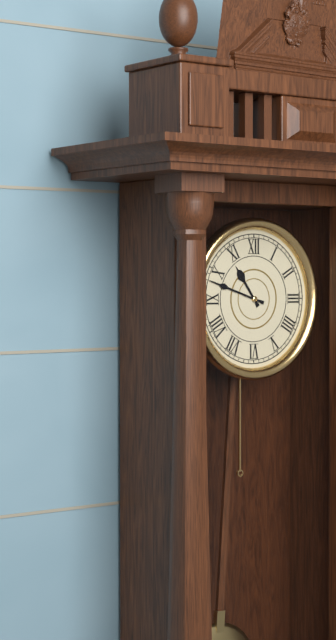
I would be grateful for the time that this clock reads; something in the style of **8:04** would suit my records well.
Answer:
**10:48**
